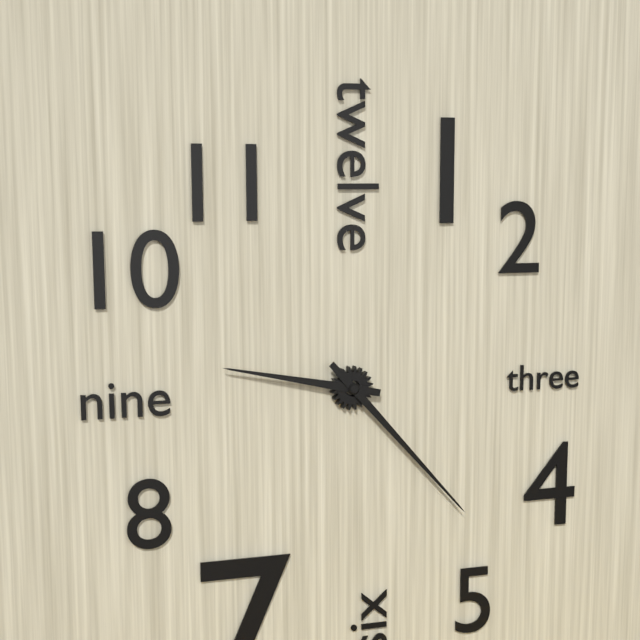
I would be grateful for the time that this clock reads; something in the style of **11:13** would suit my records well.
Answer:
**9:23**
